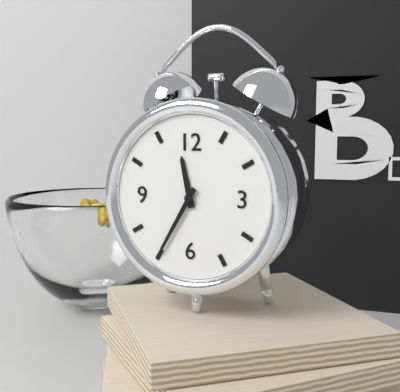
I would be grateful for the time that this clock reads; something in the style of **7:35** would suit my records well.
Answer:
**11:35**
